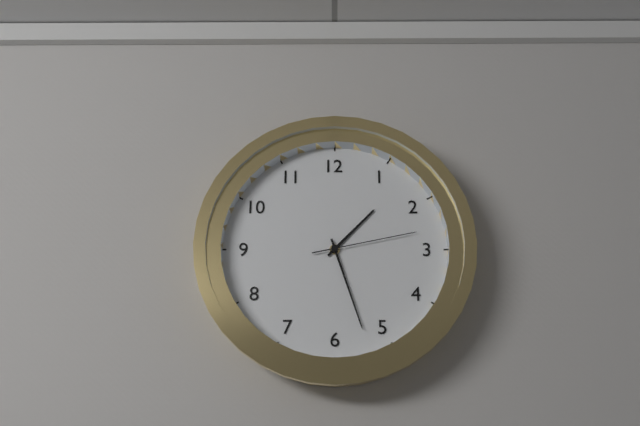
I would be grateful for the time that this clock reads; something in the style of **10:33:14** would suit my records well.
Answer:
**1:27:13**
